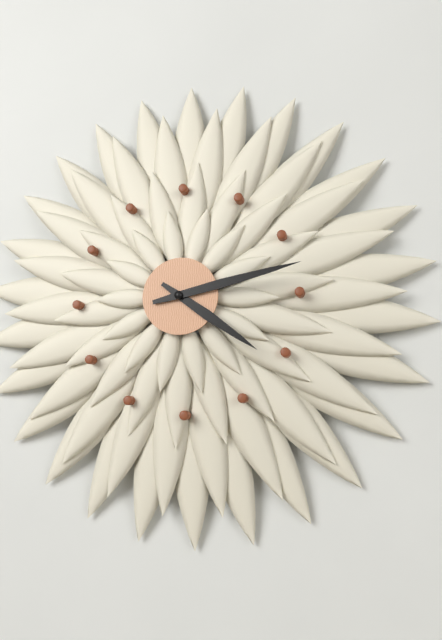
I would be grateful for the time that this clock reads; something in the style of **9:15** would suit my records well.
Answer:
**4:13**
